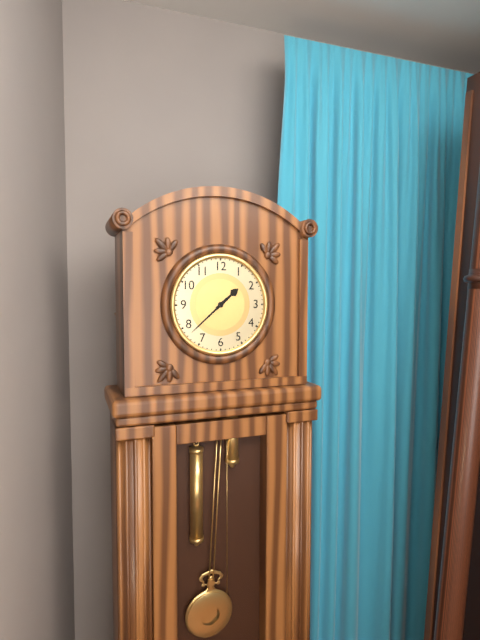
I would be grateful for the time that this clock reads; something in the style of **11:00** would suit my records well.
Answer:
**1:38**
